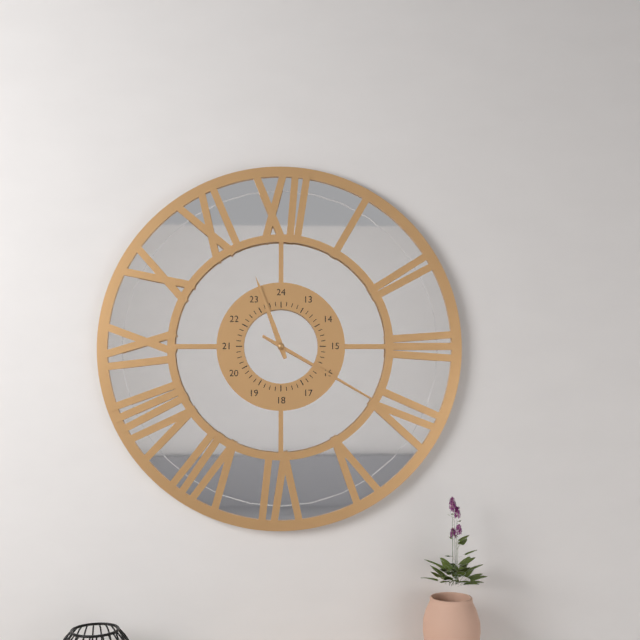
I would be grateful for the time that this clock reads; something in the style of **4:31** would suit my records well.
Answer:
**11:20**
